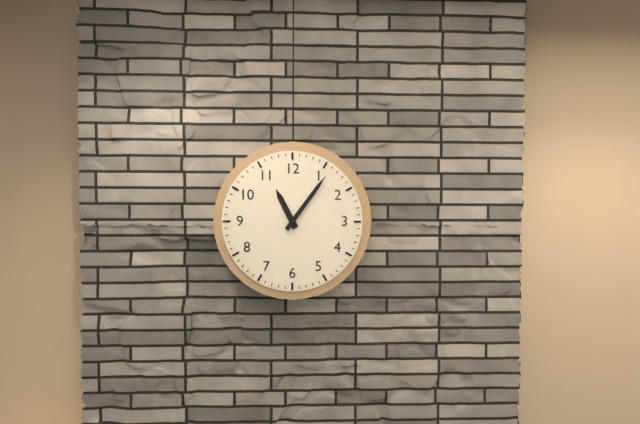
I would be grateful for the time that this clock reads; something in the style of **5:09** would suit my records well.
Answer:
**11:06**
